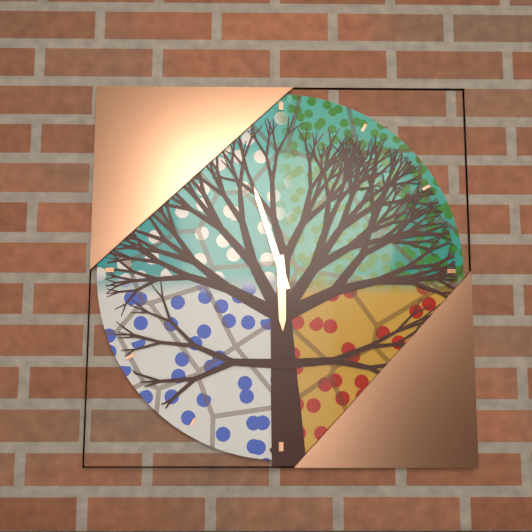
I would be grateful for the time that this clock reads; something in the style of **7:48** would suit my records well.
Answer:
**5:57**
